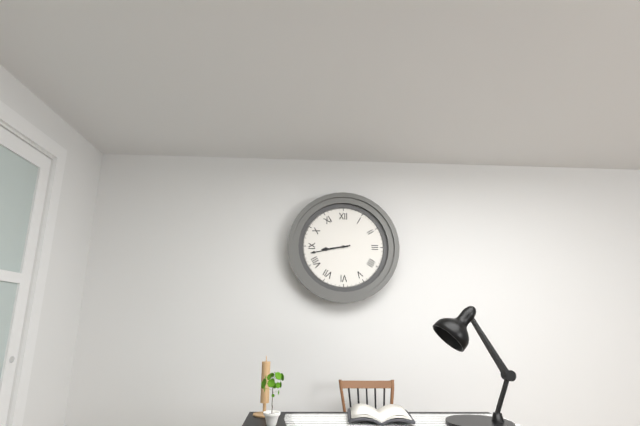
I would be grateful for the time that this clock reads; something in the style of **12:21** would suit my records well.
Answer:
**8:43**
